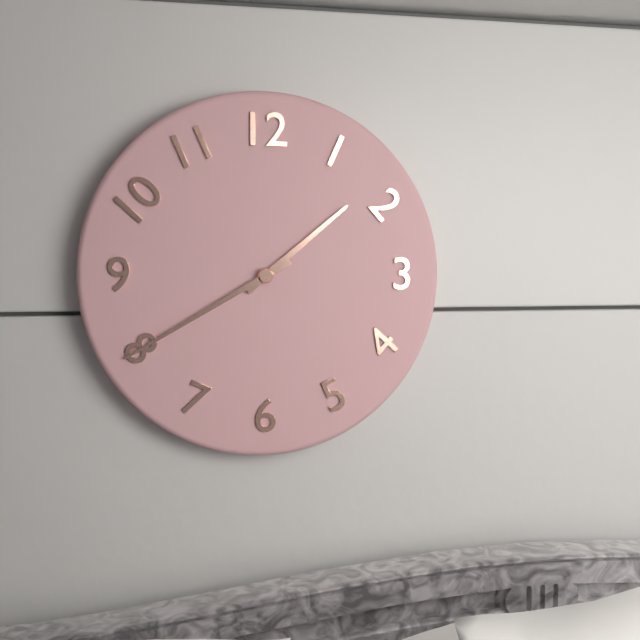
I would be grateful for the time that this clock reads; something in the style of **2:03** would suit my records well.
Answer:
**1:40**
